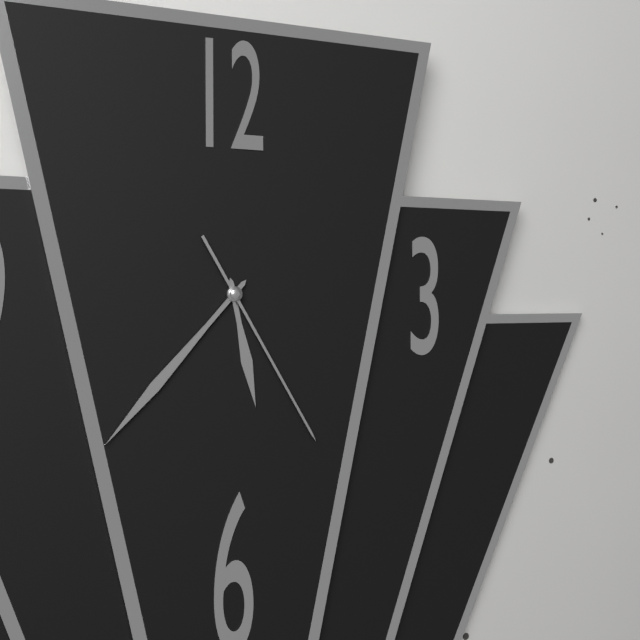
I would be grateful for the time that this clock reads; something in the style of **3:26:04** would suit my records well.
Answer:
**5:37:25**
